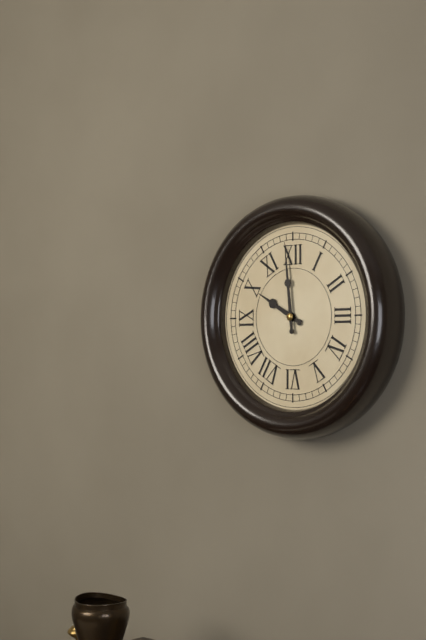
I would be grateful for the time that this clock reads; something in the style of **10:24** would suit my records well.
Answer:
**9:59**
